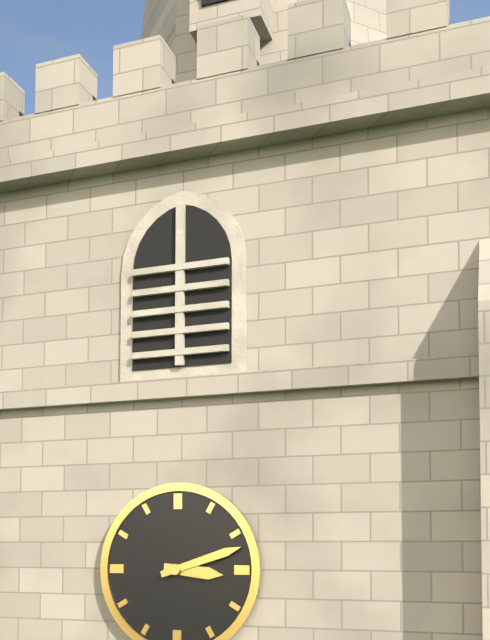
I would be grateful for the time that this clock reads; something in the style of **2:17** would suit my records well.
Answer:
**3:12**
